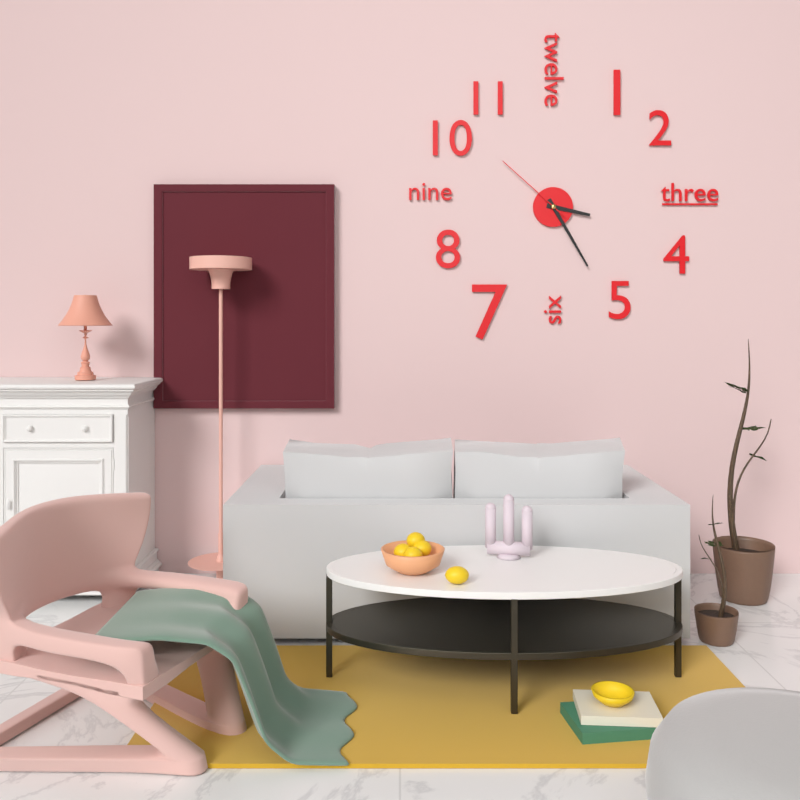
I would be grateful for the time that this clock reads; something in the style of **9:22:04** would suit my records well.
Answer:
**3:25:52**
